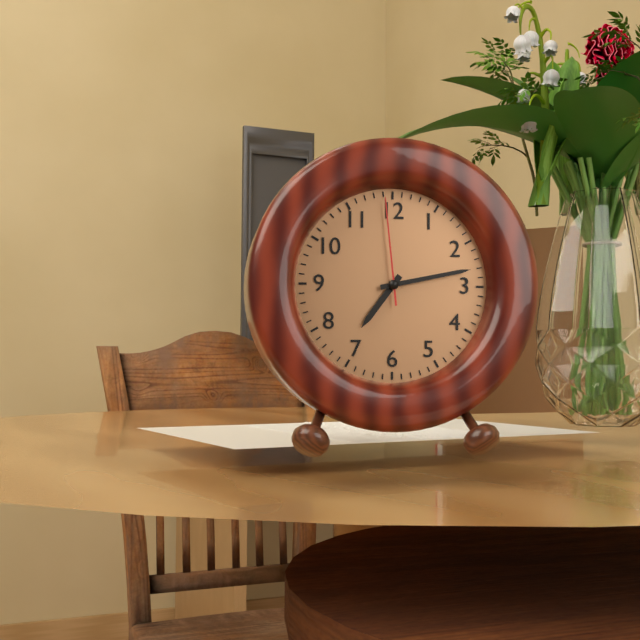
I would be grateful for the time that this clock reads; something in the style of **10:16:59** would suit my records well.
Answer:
**7:13:59**
